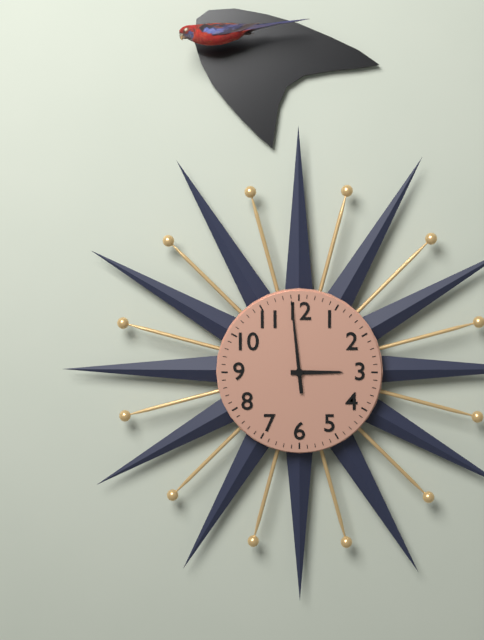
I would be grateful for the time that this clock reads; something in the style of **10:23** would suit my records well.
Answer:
**2:59**
